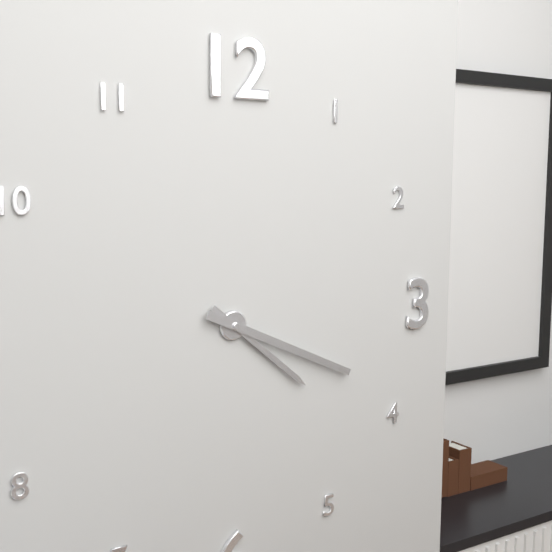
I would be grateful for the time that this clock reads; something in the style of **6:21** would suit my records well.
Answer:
**4:19**
